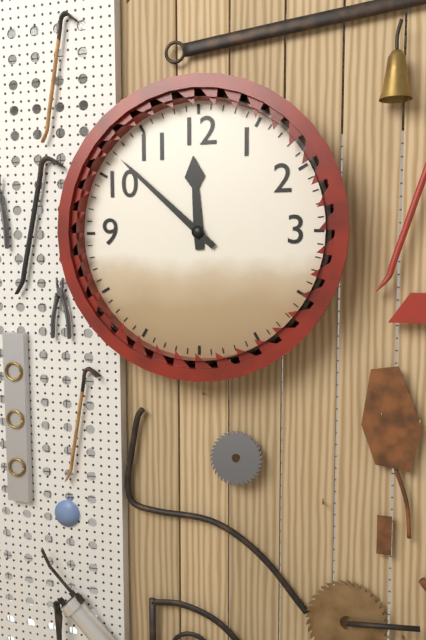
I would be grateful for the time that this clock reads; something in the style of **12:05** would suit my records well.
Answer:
**11:52**
